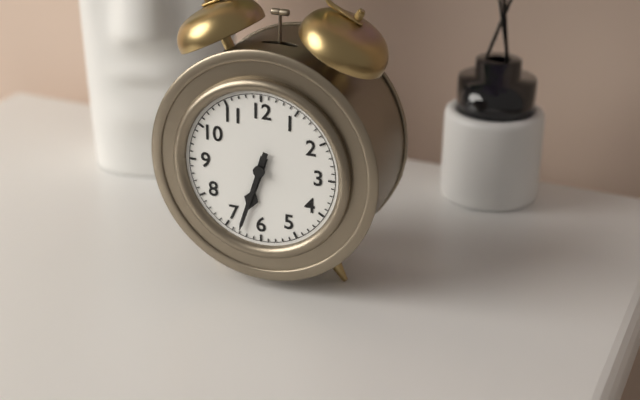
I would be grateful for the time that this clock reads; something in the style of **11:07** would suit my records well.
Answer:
**6:33**
